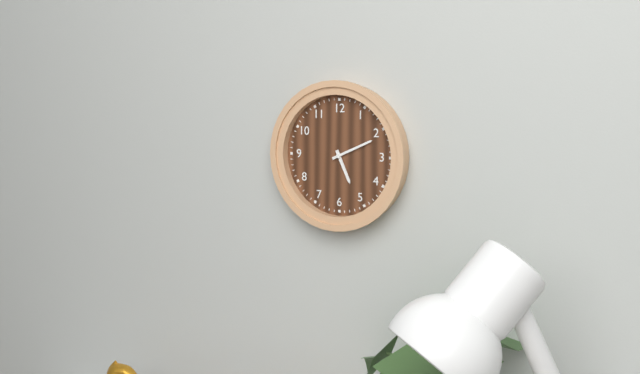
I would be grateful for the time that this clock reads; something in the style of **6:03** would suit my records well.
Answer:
**5:11**
